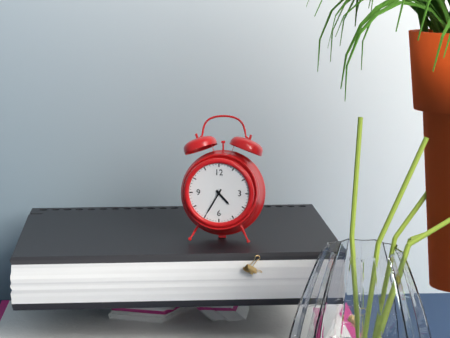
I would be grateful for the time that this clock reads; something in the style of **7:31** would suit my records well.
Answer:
**4:35**
